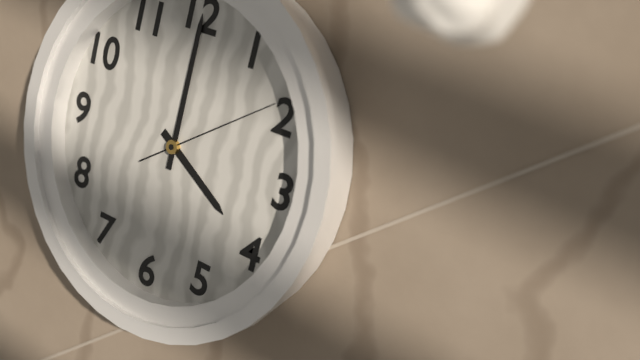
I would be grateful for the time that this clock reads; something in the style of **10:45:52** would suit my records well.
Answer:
**4:00:09**
